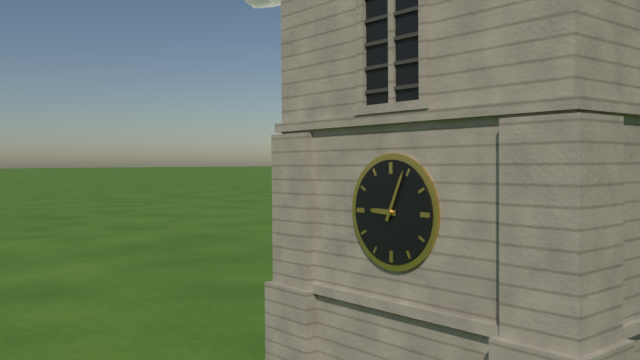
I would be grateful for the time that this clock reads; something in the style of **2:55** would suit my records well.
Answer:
**9:04**
